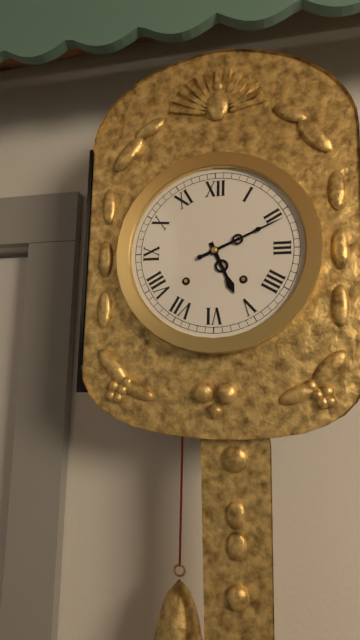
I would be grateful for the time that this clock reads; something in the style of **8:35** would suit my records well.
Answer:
**5:11**
